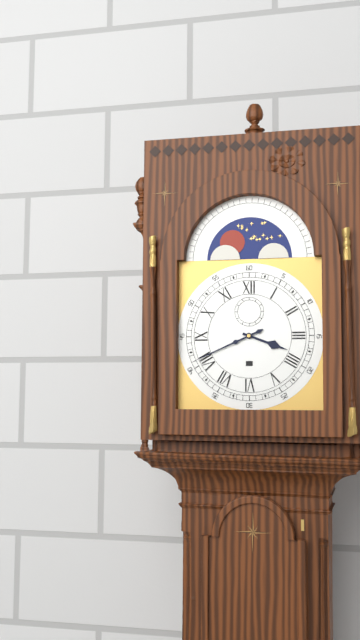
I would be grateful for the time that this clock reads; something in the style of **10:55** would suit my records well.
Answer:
**3:41**
